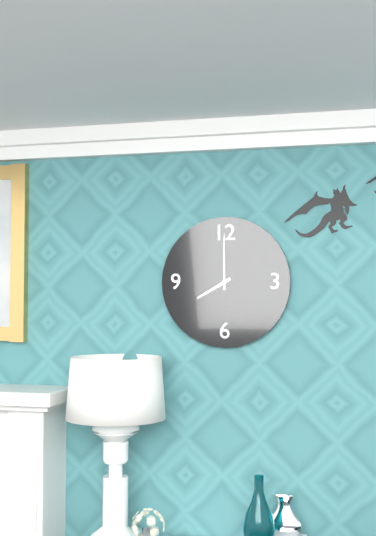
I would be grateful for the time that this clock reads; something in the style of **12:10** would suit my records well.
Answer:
**8:00**
